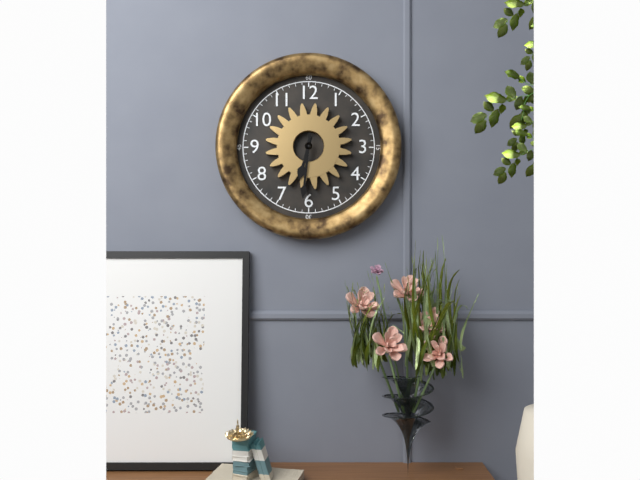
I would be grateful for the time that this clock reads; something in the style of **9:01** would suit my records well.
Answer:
**6:31**
